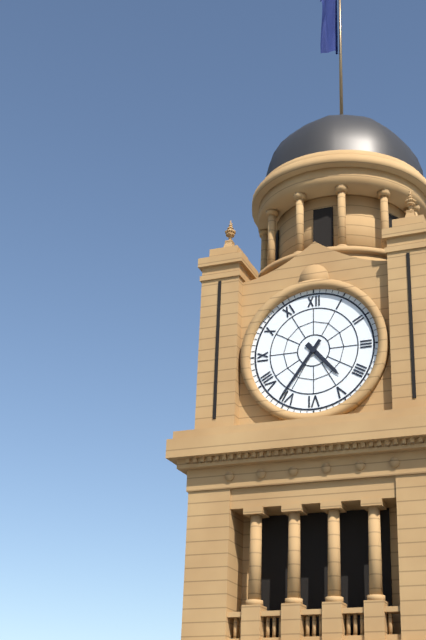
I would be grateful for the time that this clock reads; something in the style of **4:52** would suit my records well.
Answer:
**4:36**
